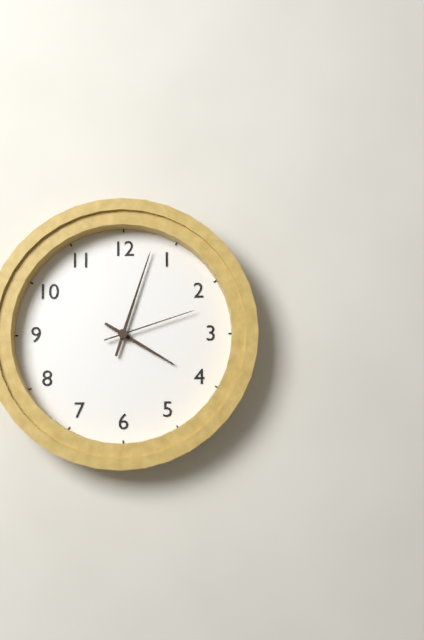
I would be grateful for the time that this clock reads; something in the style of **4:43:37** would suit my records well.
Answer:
**4:03:12**
